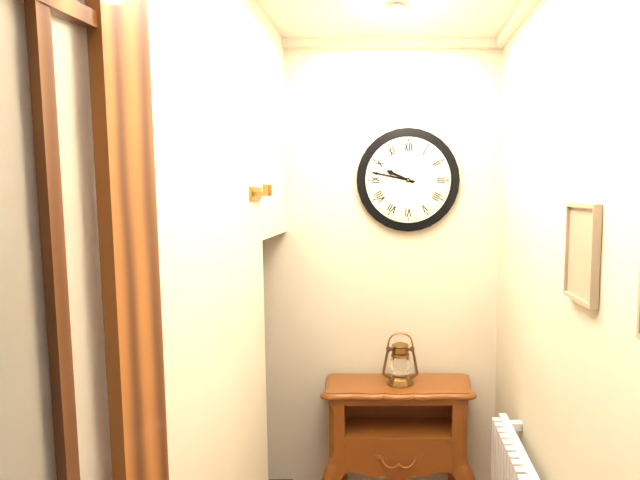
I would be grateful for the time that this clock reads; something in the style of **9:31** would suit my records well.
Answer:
**9:47**
